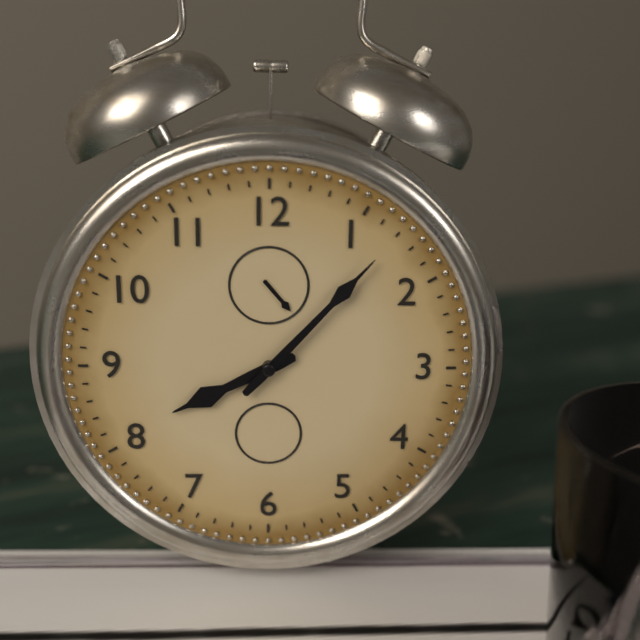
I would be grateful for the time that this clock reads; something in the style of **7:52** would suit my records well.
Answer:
**8:07**
